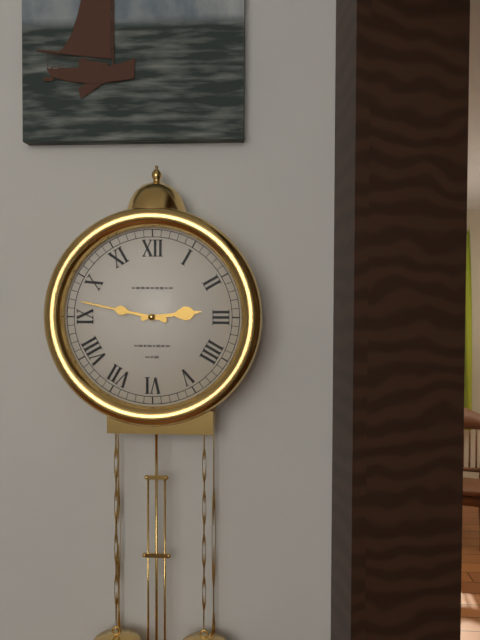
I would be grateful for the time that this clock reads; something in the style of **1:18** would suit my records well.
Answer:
**2:47**
